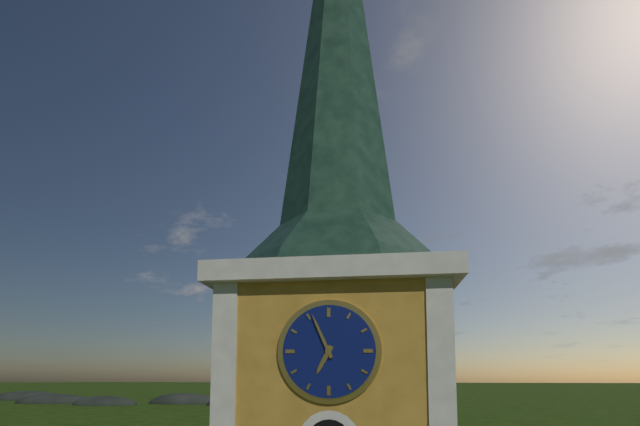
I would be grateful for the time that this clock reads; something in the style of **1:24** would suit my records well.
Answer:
**6:56**
